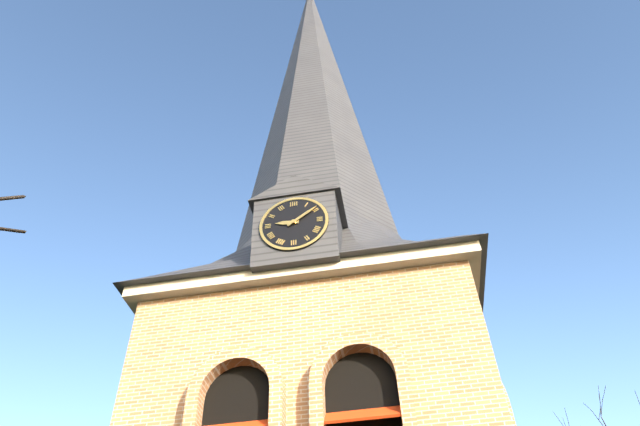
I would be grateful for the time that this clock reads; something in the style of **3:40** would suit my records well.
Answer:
**9:09**
